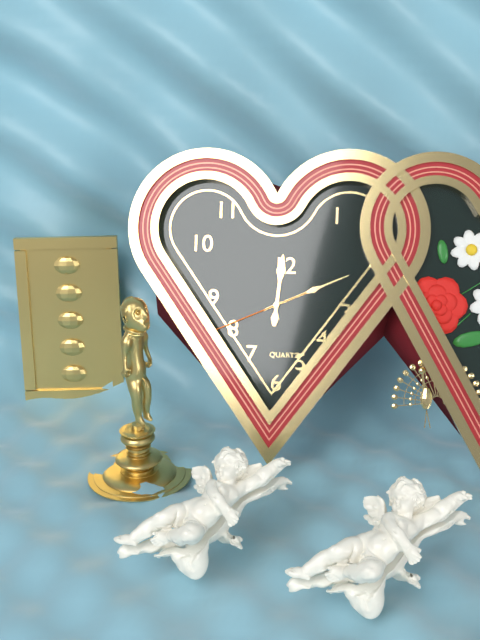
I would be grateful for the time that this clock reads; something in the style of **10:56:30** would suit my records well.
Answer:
**12:11:41**
